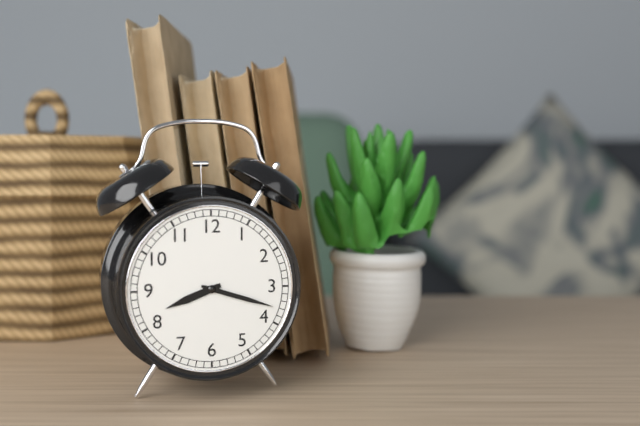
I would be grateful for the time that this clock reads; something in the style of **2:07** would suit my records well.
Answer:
**8:18**
